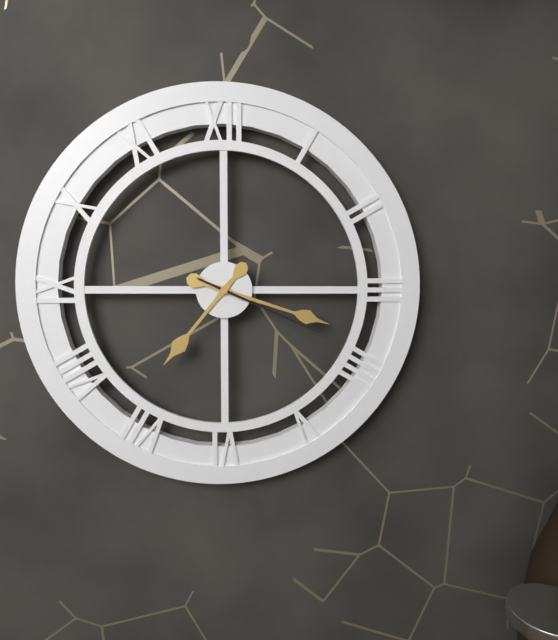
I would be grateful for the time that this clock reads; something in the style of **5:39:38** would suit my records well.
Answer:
**7:18:19**
